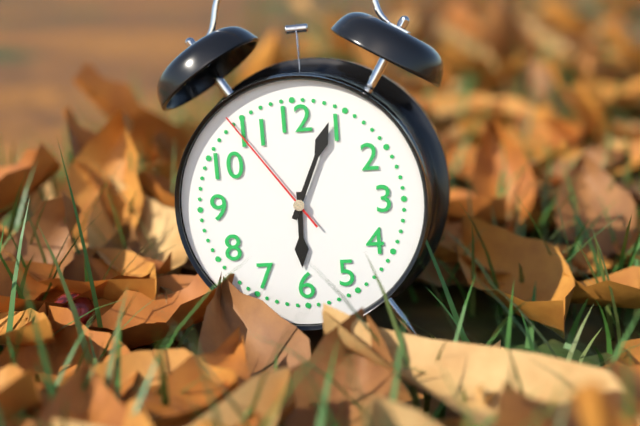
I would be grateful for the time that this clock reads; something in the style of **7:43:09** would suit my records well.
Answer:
**6:04:54**
